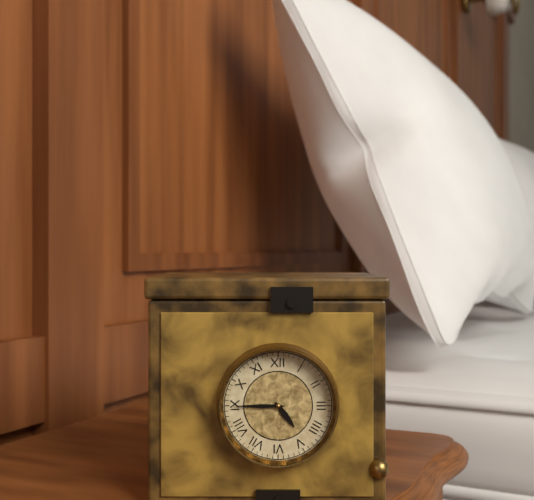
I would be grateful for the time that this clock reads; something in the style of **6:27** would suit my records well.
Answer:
**4:45**
